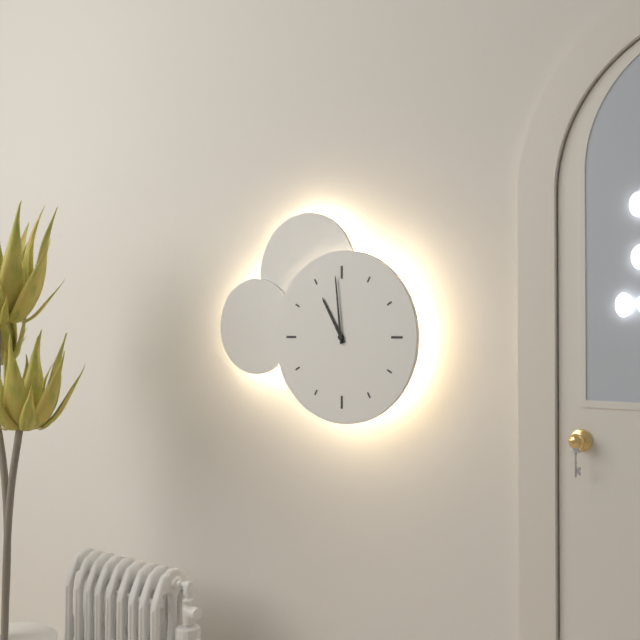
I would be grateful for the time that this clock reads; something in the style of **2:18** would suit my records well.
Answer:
**10:59**
